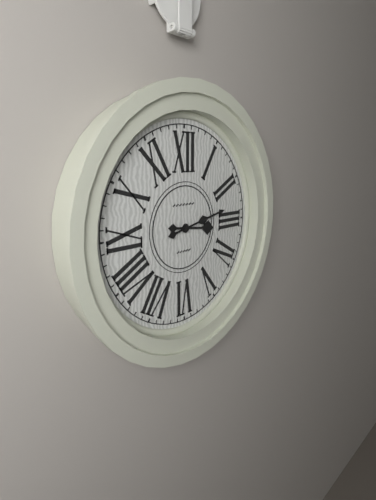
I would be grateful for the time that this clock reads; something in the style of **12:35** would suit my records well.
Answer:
**3:13**
